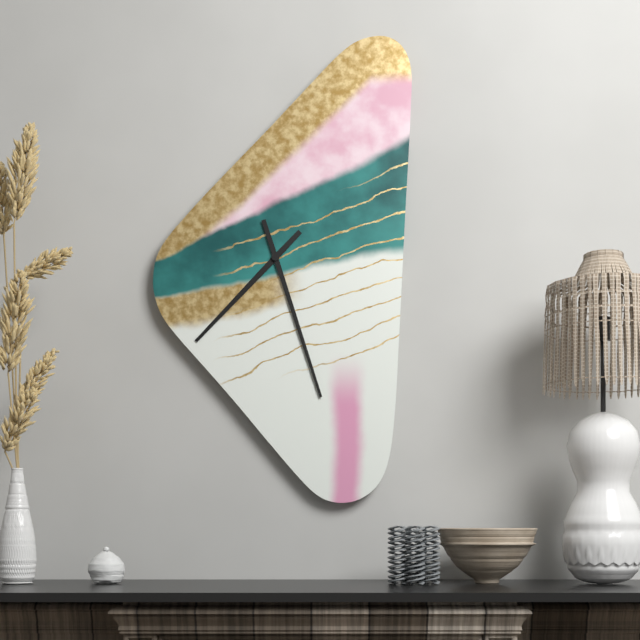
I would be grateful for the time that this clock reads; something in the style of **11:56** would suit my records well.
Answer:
**7:27**
